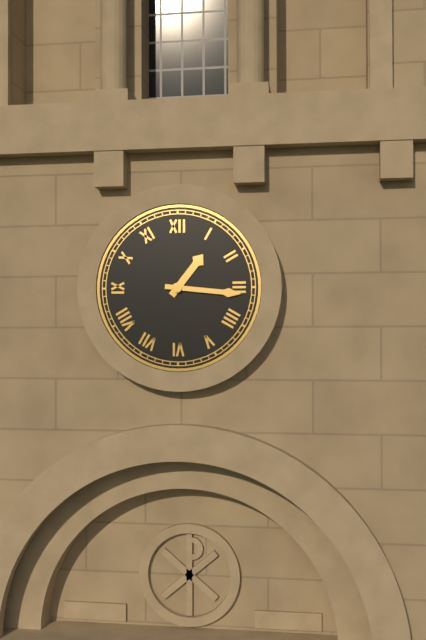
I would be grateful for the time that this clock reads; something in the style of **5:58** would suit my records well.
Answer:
**1:16**
